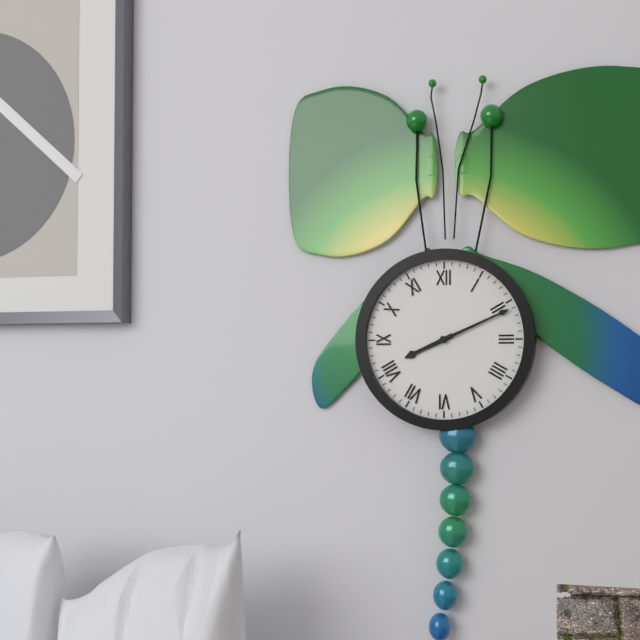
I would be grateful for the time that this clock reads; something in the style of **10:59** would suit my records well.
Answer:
**8:11**
